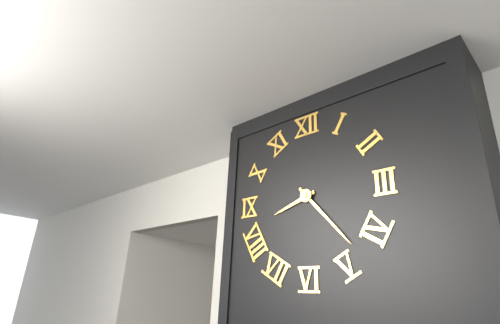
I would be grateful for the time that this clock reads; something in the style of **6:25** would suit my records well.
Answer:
**8:23**
